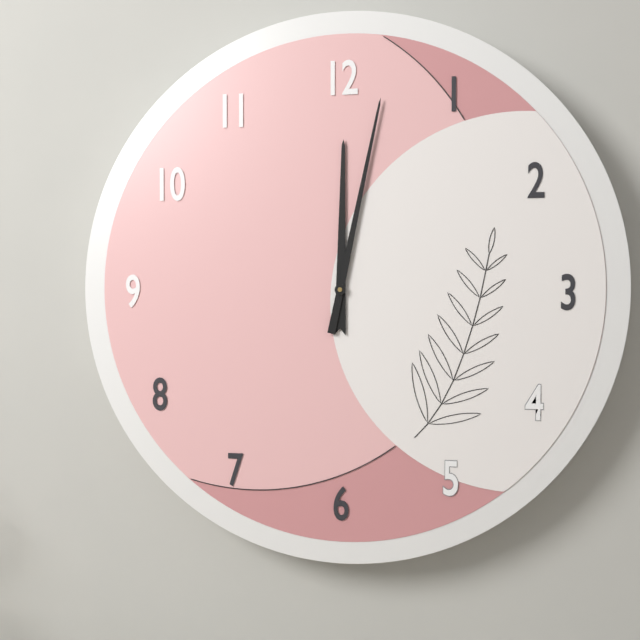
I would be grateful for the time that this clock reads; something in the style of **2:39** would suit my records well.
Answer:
**12:02**
